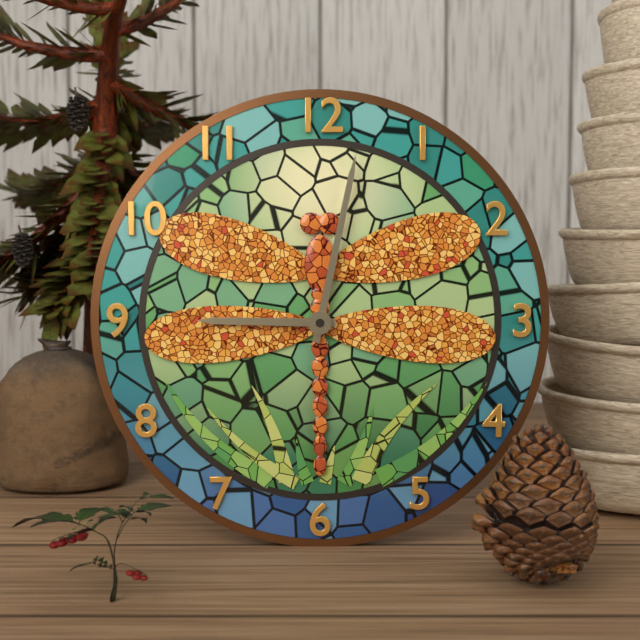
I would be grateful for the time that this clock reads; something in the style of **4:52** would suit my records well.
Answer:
**9:02**
